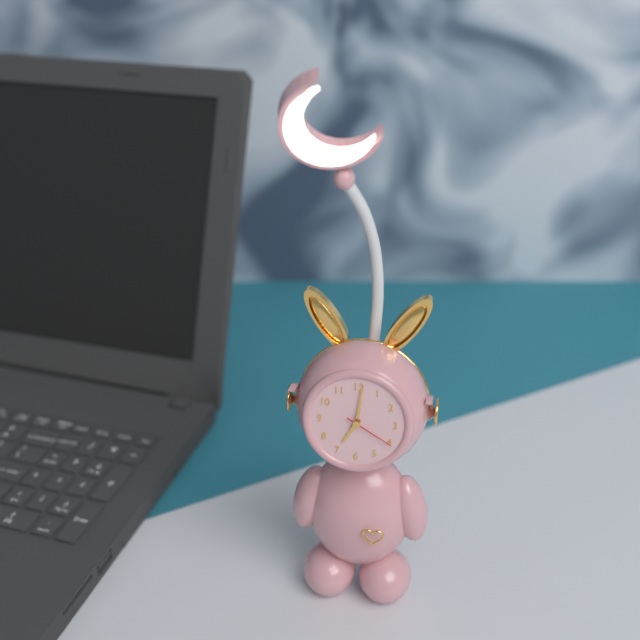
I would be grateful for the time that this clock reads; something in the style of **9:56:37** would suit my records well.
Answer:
**7:01:20**
